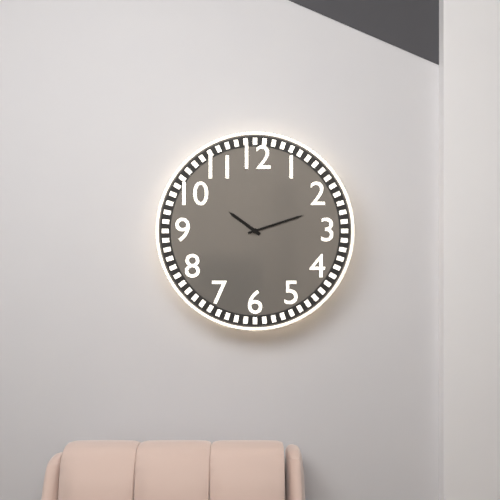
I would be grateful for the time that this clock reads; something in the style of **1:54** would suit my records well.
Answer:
**10:12**
